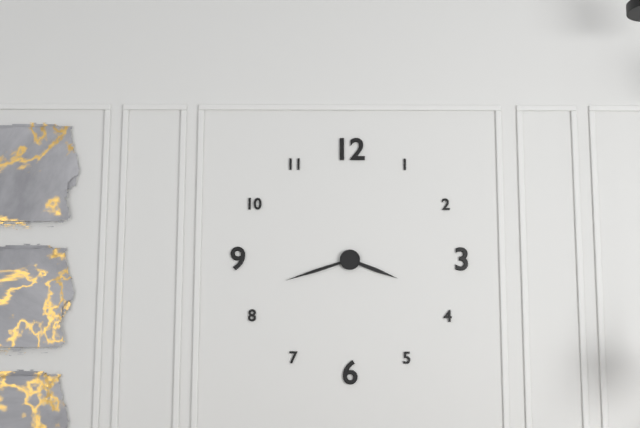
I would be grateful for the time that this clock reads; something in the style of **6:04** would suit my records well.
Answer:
**3:42**
